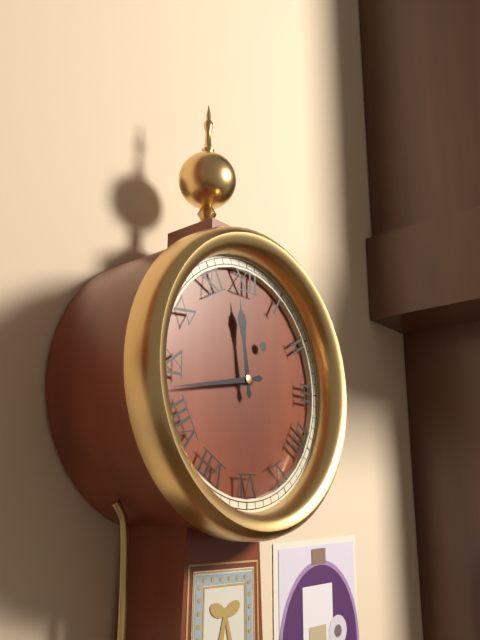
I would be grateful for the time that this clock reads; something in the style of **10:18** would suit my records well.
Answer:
**11:43**
